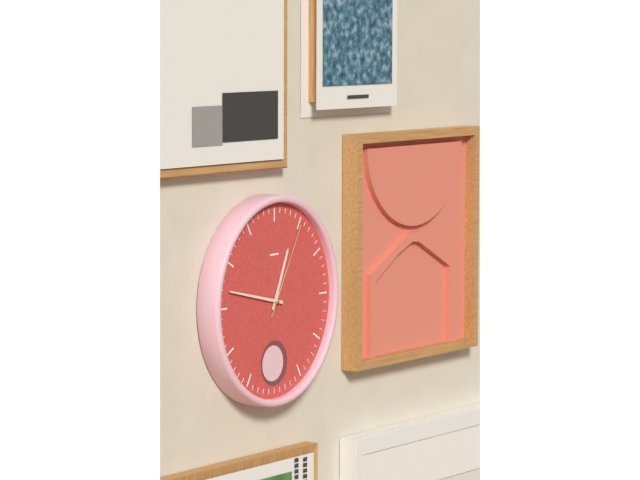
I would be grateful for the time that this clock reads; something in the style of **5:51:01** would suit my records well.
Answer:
**12:47:05**
